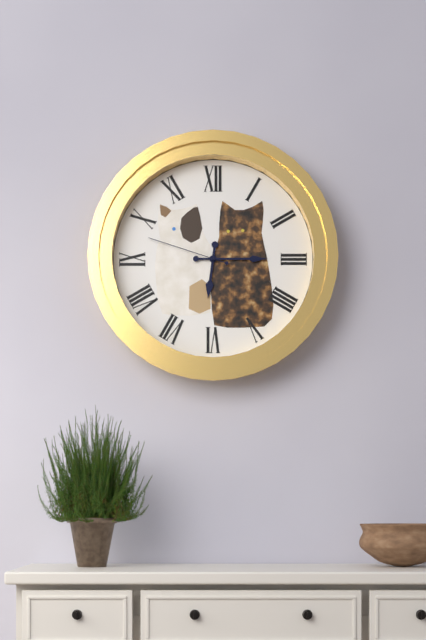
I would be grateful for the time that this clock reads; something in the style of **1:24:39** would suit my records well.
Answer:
**6:15:48**
